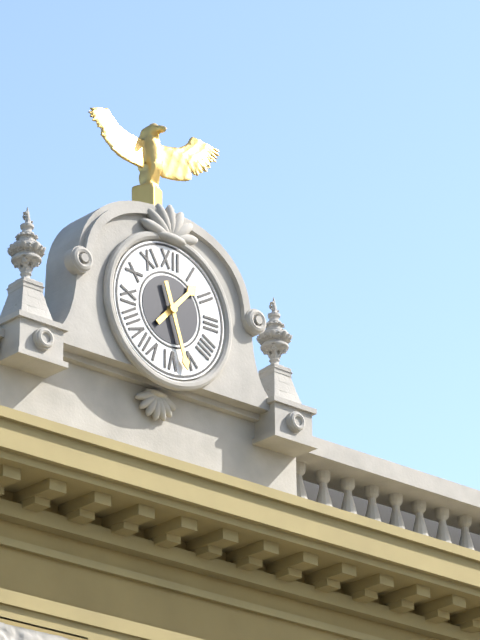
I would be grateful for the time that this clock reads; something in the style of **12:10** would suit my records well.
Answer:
**1:27**
